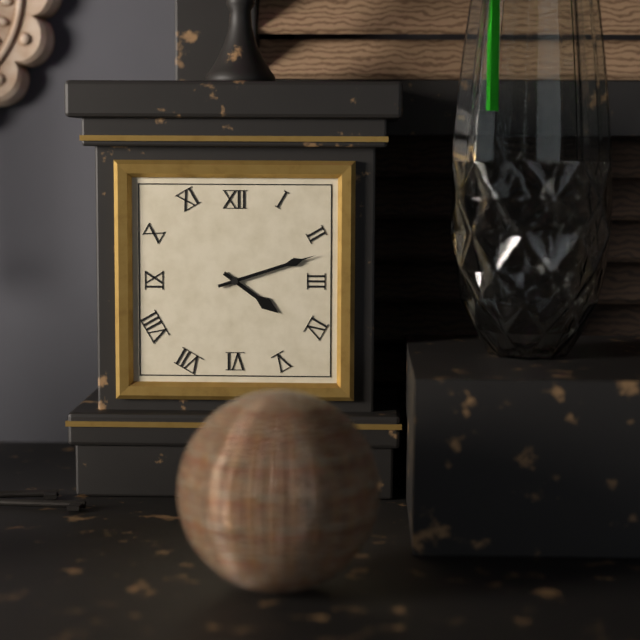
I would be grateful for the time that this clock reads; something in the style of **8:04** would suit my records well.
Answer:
**4:12**
